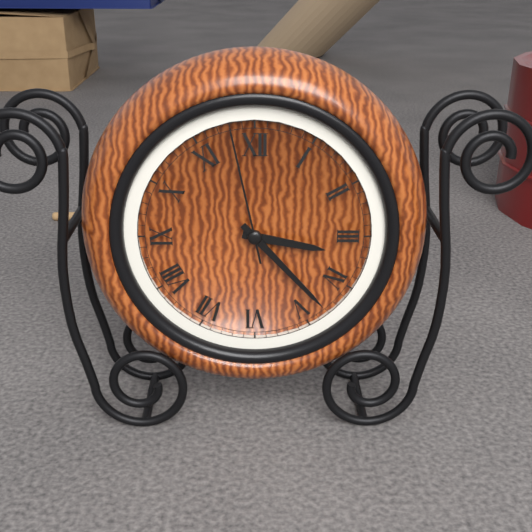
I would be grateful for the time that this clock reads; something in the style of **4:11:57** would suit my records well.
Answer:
**3:23:58**
